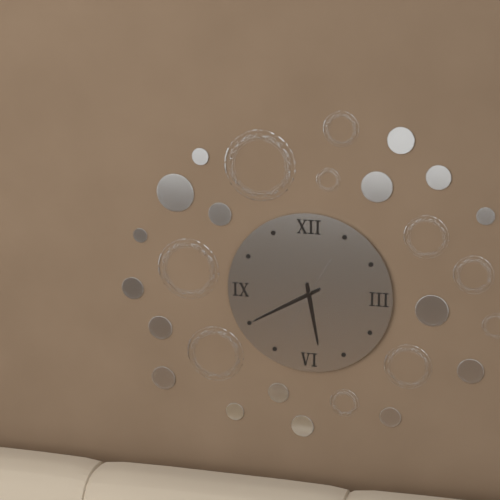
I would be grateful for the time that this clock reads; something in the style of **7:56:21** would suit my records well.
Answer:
**5:40:35**
